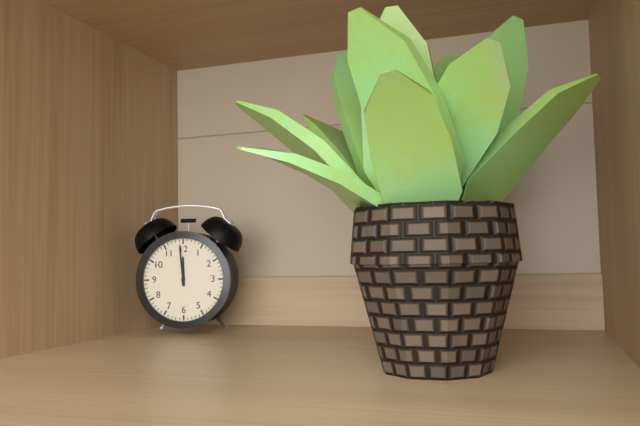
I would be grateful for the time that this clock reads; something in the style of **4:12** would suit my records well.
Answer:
**11:59**
